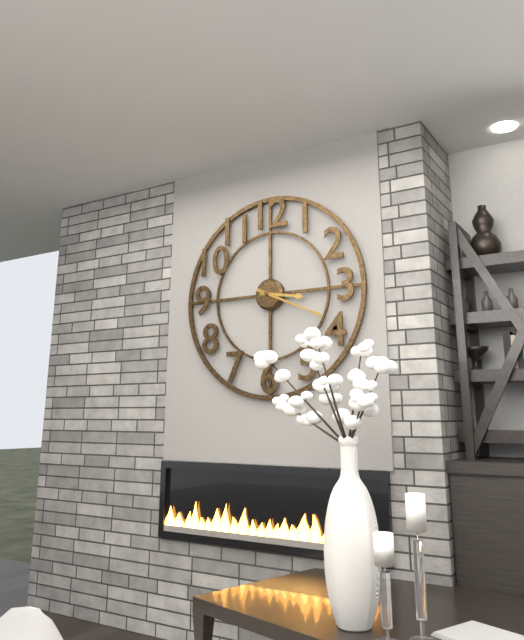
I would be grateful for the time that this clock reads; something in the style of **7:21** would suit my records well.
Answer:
**3:19**
